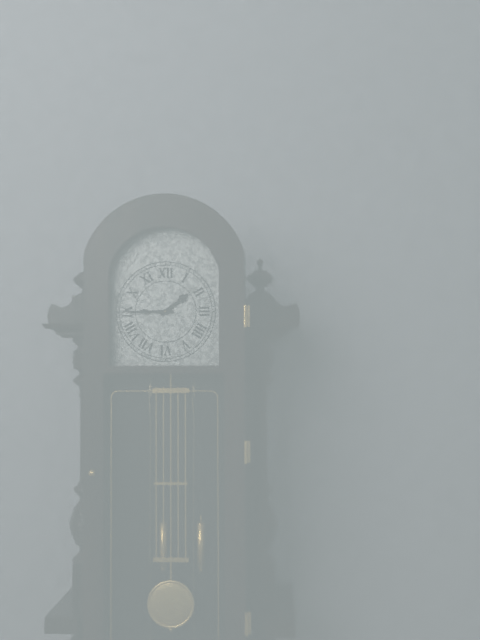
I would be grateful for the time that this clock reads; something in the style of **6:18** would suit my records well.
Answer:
**1:45**
